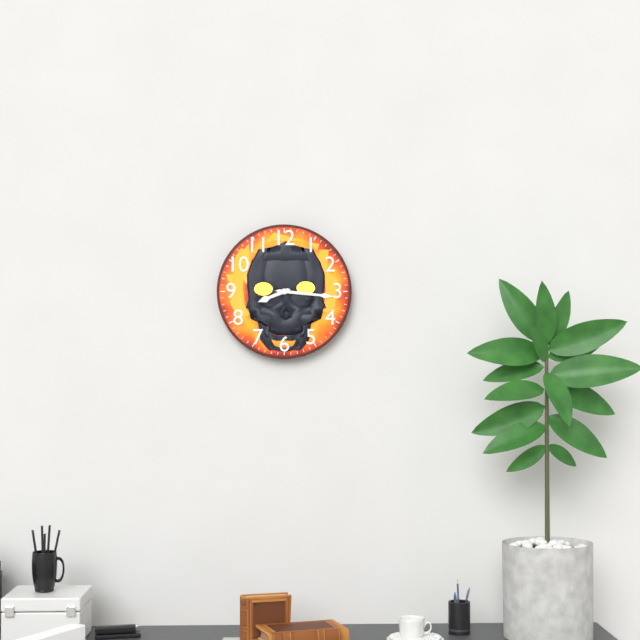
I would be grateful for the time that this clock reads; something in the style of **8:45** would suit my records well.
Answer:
**8:16**
